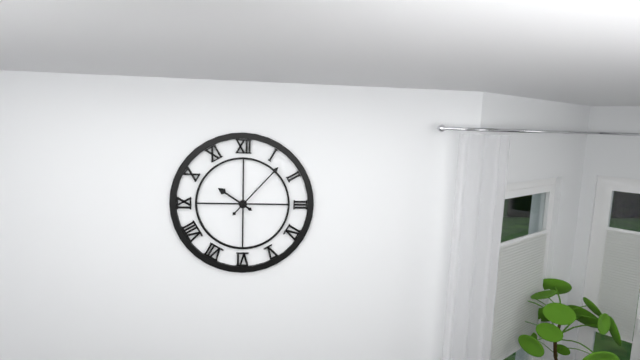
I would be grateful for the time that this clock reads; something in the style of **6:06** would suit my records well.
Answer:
**10:07**
